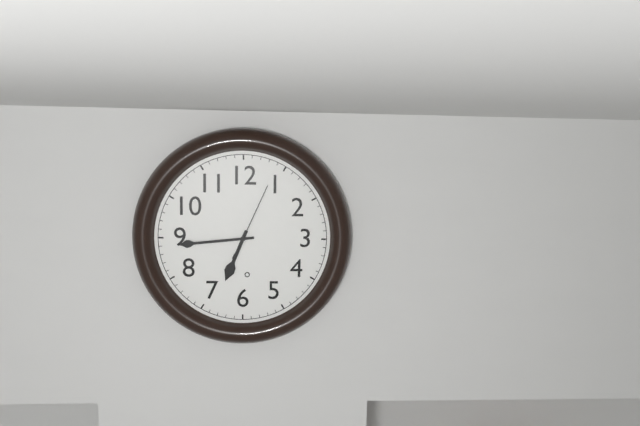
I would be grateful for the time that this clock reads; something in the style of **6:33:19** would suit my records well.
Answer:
**6:44:04**
